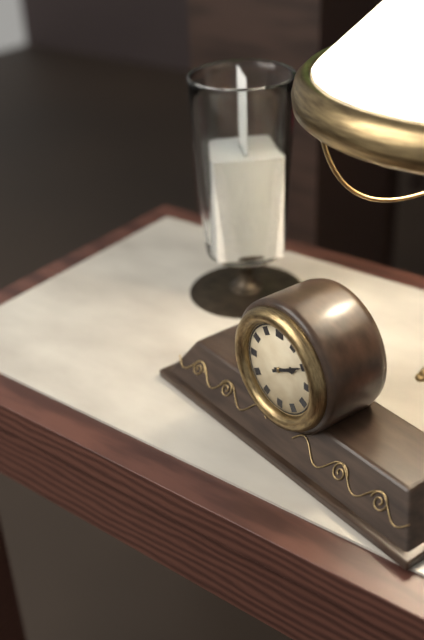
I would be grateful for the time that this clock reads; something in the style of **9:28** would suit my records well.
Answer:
**2:10**
